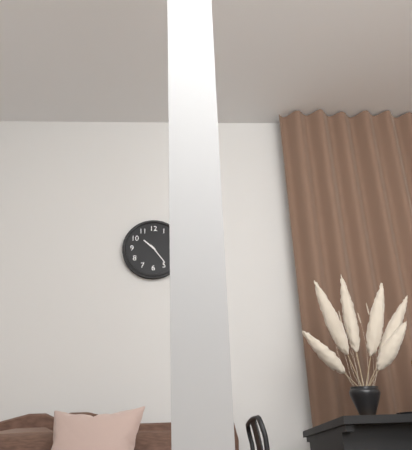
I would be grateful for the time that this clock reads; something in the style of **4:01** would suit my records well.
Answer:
**10:24**
